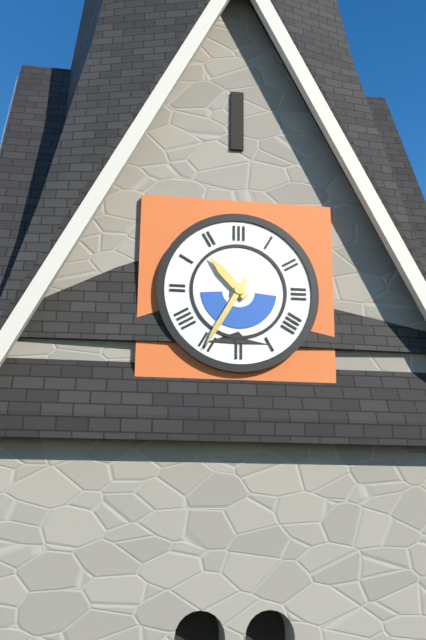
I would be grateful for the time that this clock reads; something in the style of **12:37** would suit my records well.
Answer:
**10:35**
